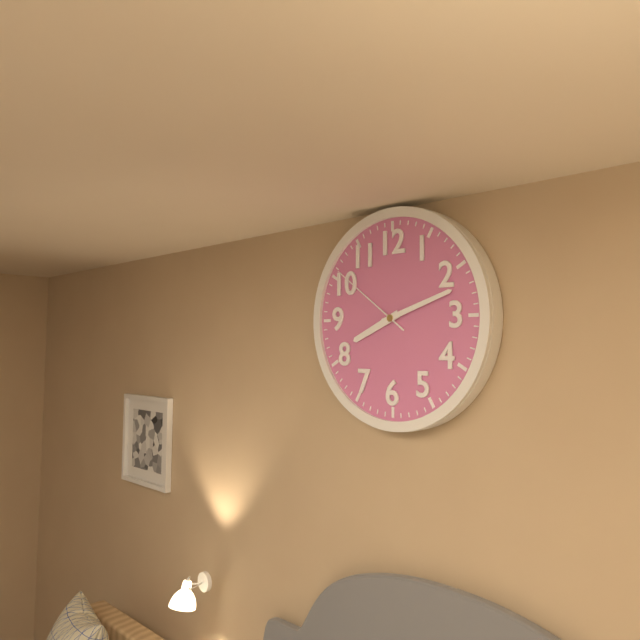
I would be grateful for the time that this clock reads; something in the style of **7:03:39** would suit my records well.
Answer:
**8:12:51**
